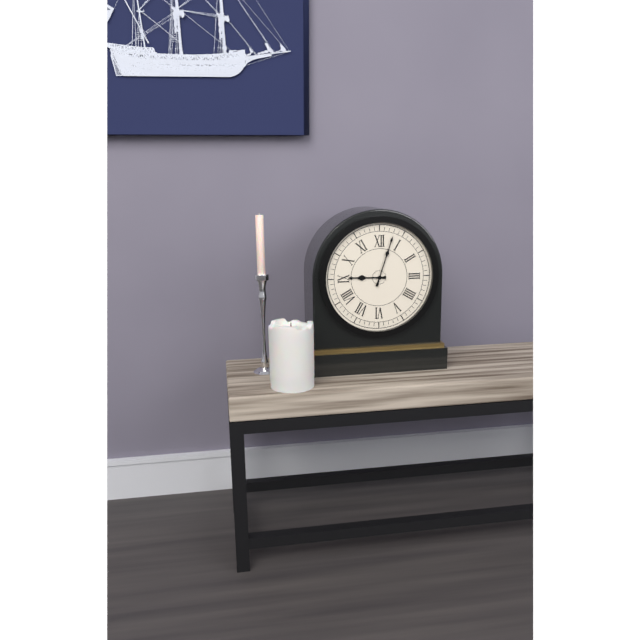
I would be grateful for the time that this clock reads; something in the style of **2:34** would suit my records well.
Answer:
**9:03**
